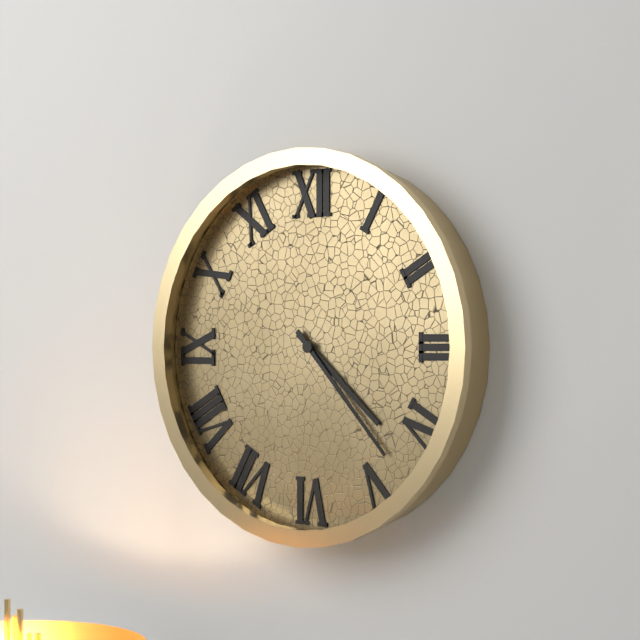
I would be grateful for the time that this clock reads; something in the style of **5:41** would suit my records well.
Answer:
**4:23**
